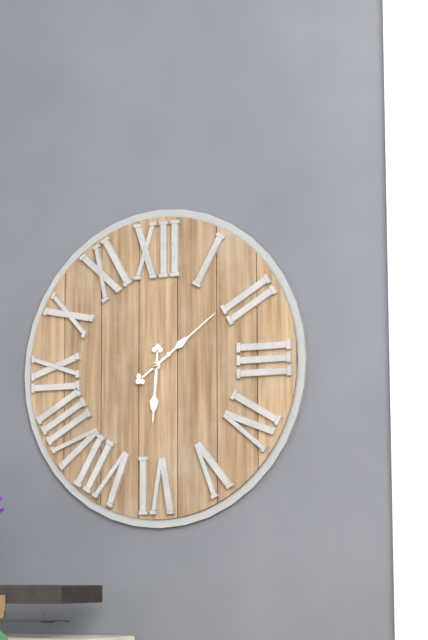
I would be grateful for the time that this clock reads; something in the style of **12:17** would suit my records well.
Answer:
**6:09**
